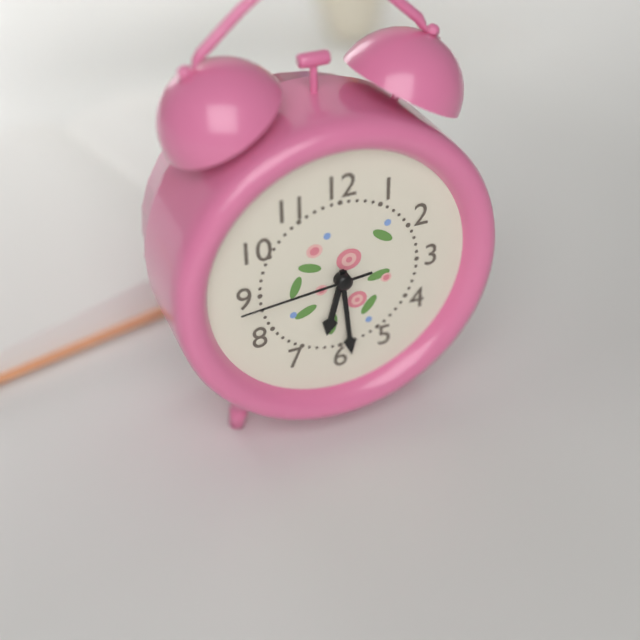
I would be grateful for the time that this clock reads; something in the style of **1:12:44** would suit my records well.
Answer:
**6:29:44**
